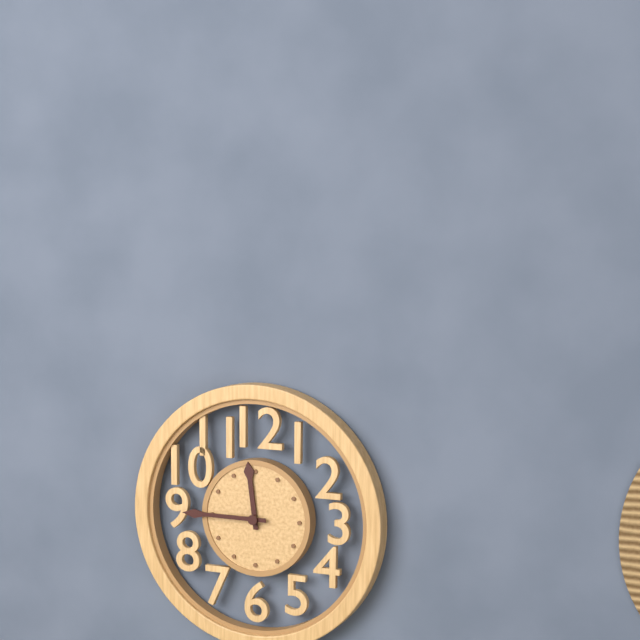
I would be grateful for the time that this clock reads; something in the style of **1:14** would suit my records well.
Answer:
**11:45**
